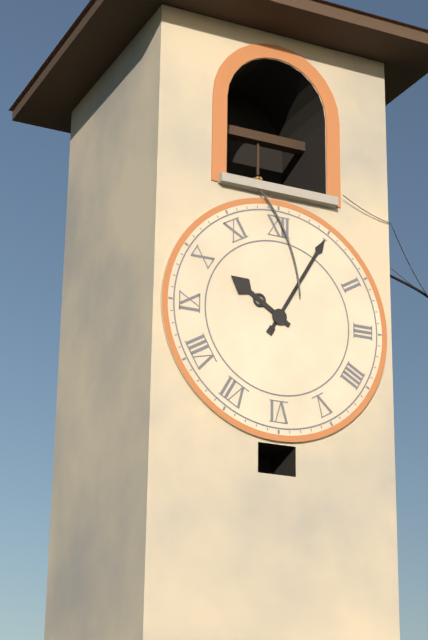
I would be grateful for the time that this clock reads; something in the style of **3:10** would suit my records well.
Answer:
**10:05**
